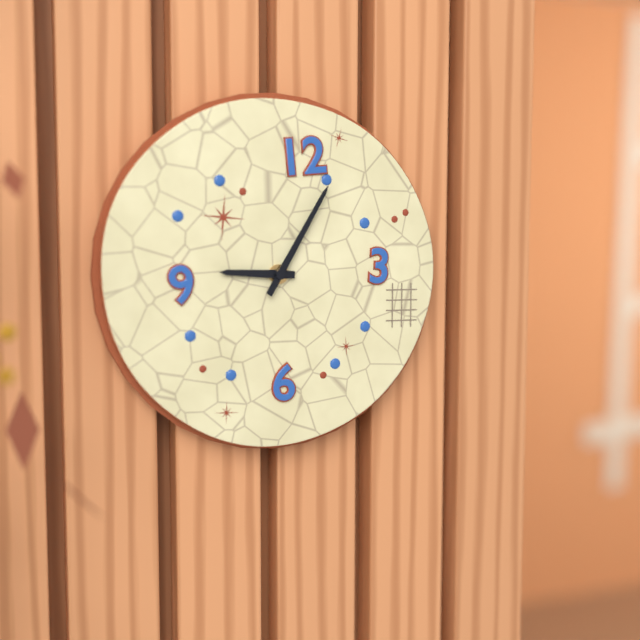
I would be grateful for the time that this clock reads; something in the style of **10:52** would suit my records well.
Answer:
**9:05**
